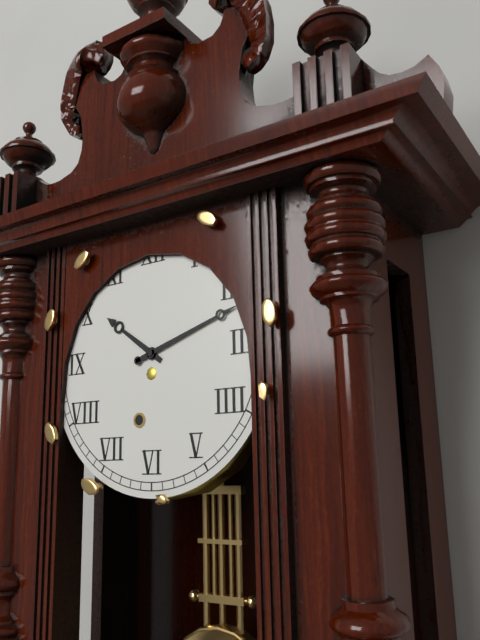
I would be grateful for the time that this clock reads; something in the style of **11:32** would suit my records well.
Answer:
**10:12**
